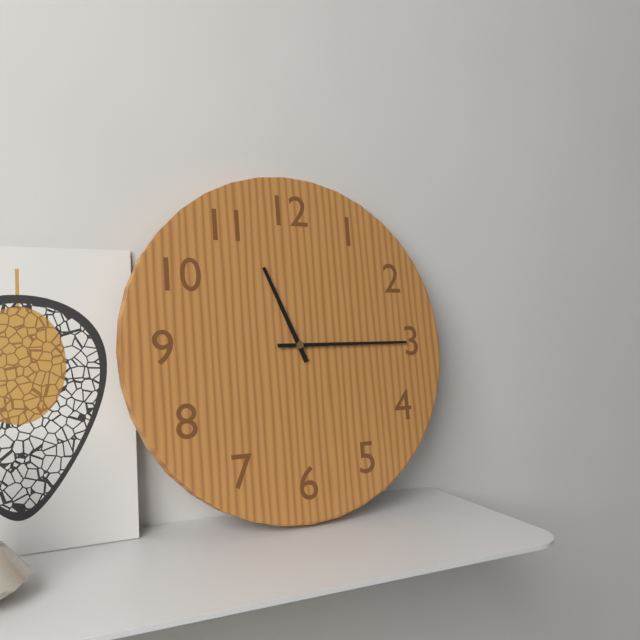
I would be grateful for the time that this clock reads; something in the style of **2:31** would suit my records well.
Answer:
**11:15**
